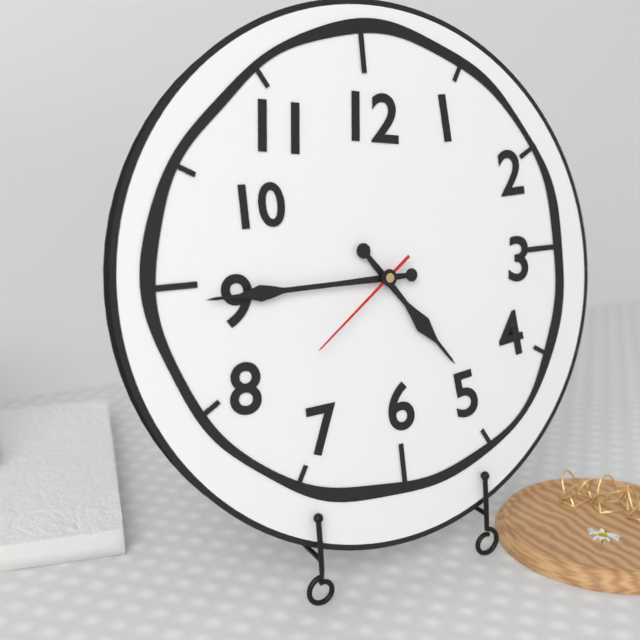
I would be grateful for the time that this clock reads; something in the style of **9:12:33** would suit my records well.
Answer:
**4:45:39**
